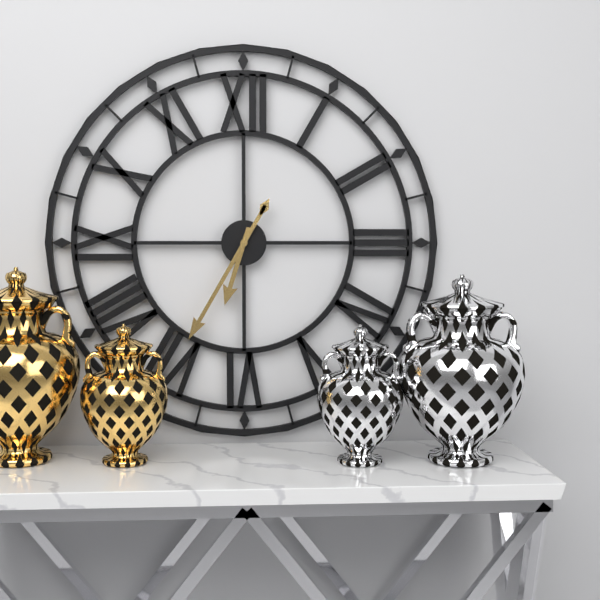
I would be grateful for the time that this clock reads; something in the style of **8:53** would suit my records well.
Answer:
**6:35**
